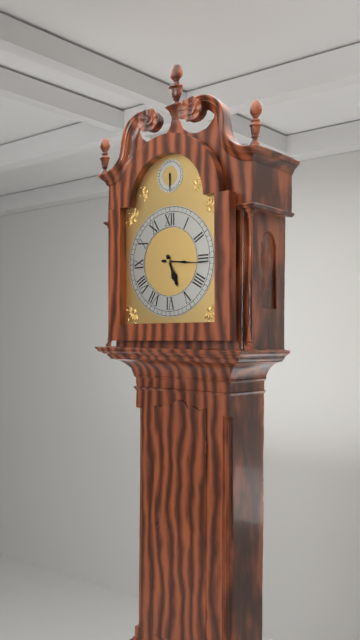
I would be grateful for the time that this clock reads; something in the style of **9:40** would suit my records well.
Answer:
**5:16**
